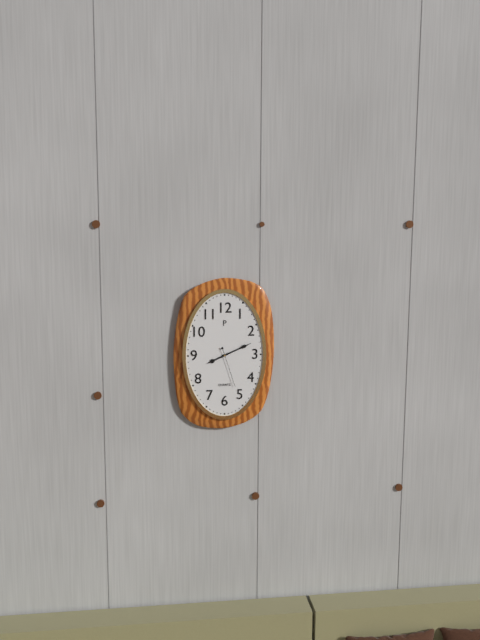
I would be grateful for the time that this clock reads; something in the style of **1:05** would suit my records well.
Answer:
**8:11**
